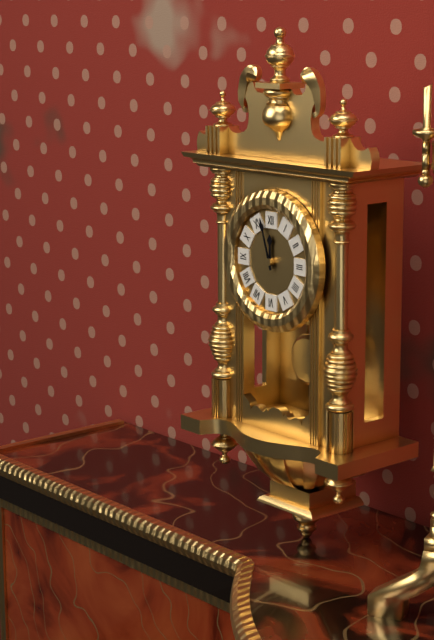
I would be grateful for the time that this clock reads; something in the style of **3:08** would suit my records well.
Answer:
**11:57**
